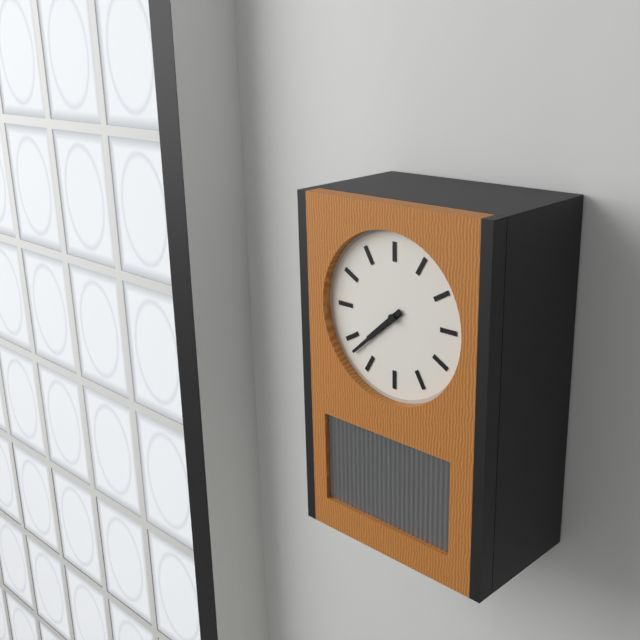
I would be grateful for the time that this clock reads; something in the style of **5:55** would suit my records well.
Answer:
**7:38**
